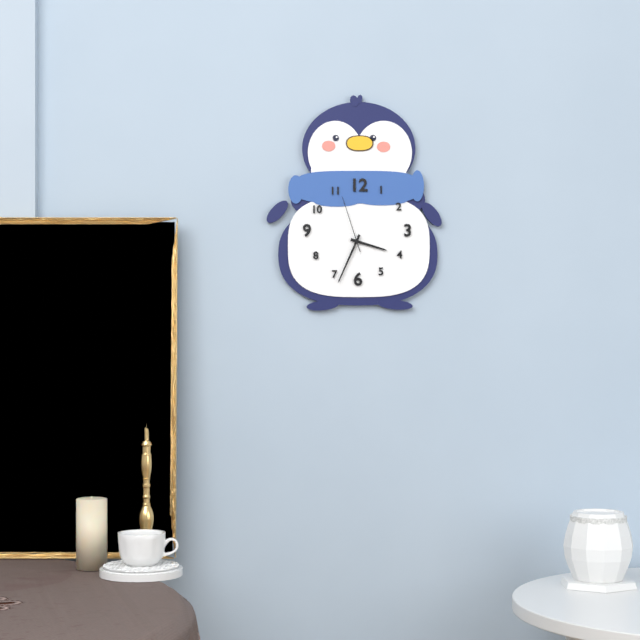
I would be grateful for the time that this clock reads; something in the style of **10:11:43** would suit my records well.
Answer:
**3:34:57**
